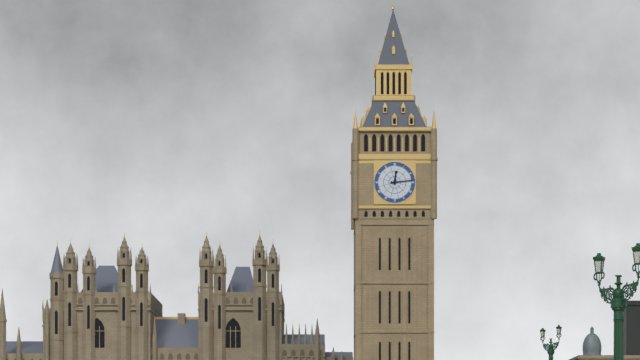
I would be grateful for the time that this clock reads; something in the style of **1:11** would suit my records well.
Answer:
**12:14**
